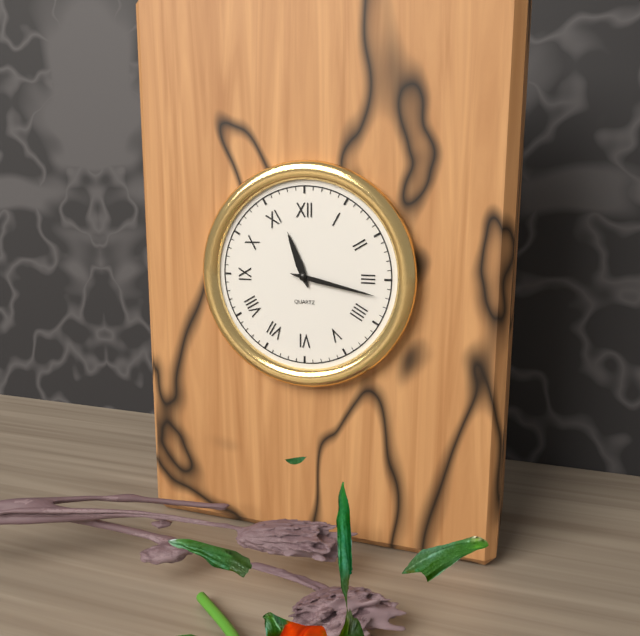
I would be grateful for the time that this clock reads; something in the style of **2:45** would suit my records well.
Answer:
**11:17**
